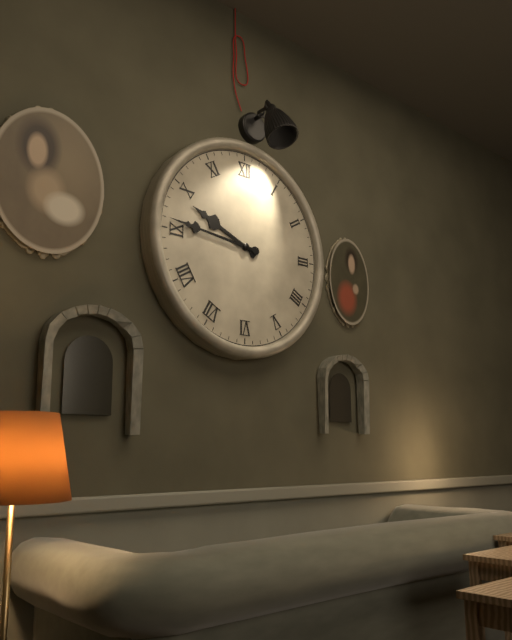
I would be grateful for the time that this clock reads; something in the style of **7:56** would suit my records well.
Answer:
**9:46**
